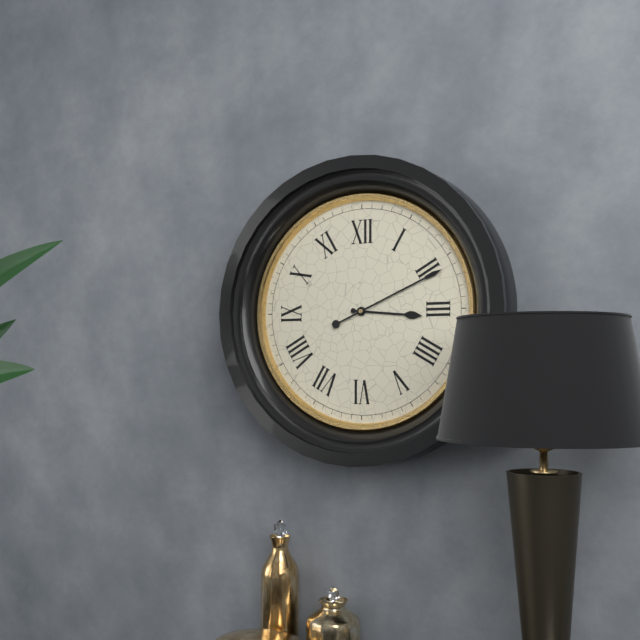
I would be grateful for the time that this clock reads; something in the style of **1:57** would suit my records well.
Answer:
**3:11**
